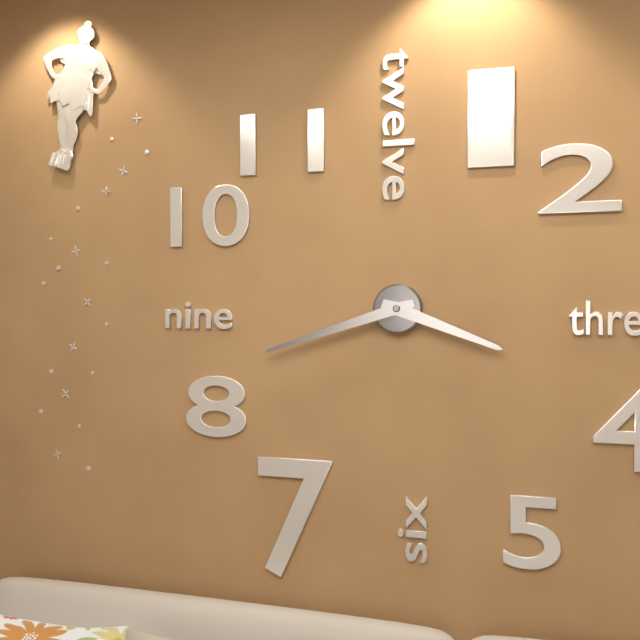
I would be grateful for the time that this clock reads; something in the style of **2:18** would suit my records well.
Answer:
**3:42**
